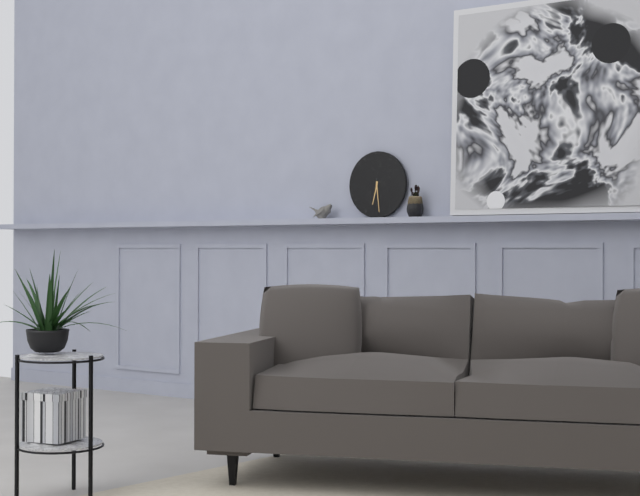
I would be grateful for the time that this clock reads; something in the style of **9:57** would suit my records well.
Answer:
**6:29**
